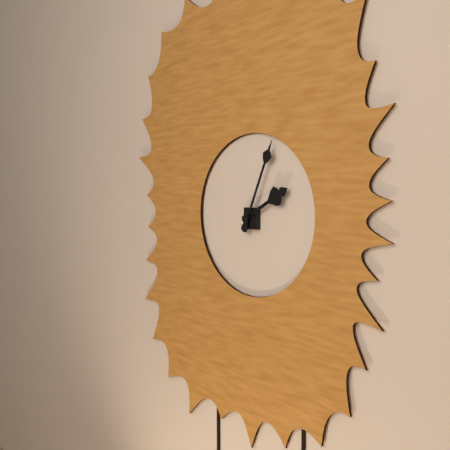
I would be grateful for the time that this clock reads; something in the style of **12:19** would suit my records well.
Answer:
**2:04**
